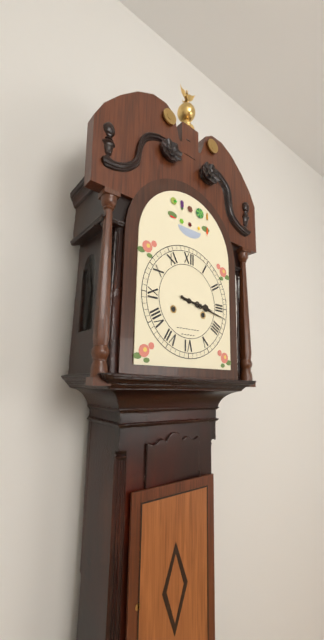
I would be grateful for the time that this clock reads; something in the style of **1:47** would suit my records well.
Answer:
**3:17**
